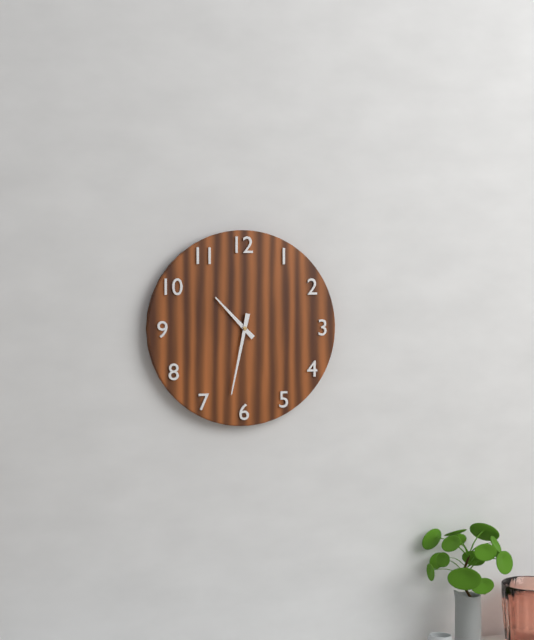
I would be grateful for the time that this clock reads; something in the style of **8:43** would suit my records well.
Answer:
**10:32**
